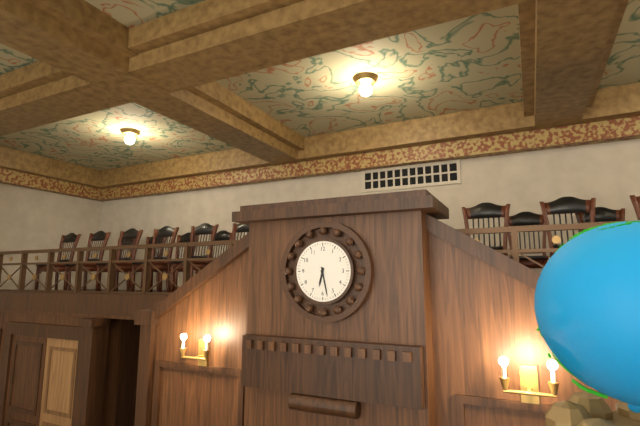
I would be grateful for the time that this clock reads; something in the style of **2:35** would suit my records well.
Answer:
**6:28**
